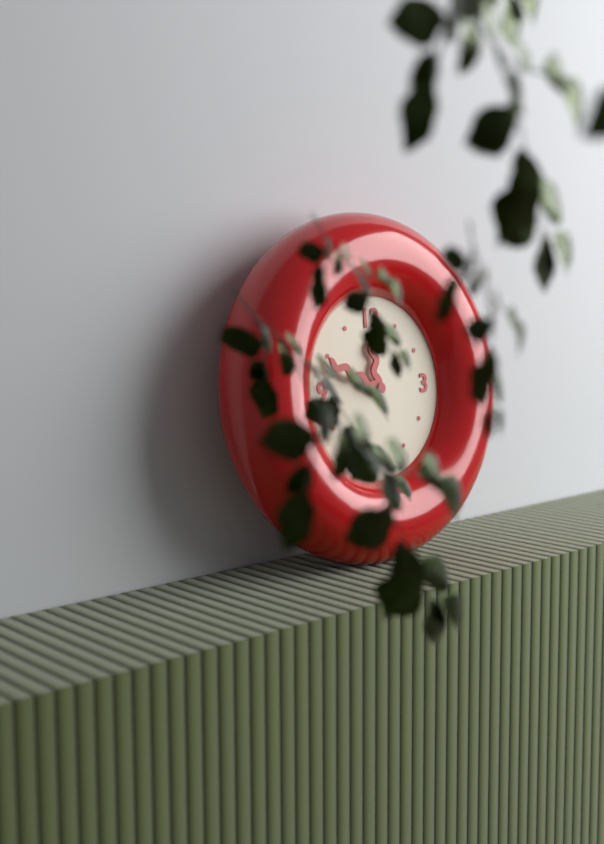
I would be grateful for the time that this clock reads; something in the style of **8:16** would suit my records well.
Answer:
**11:49**
